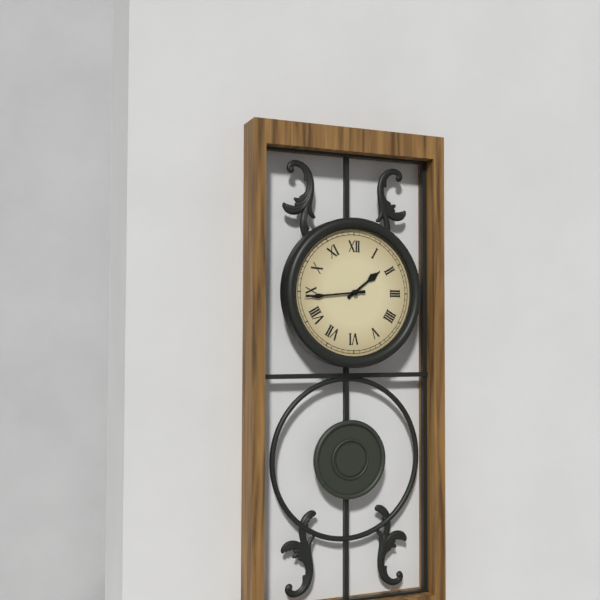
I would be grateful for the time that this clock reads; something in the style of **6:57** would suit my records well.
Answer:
**1:44**
